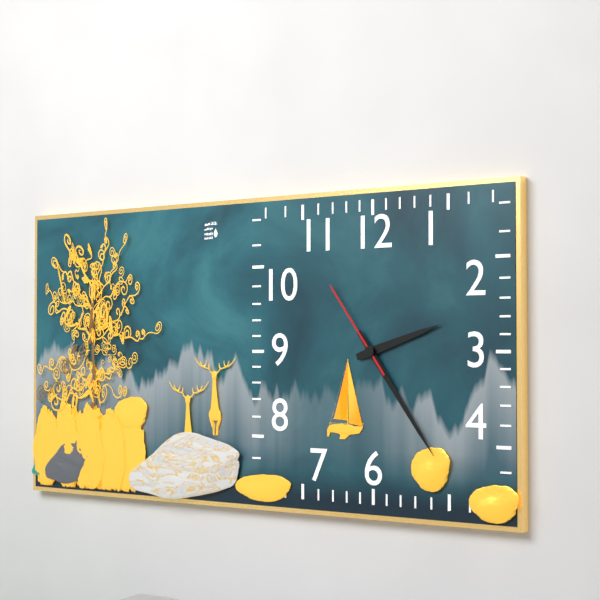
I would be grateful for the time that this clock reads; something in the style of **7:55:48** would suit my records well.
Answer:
**2:24:54**
